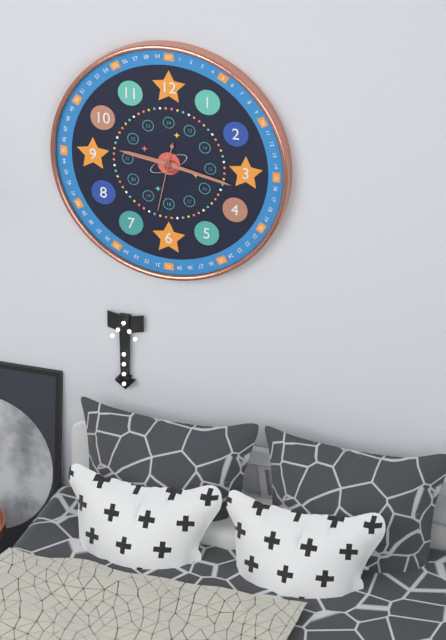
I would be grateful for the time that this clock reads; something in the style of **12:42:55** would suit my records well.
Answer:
**9:17:32**
